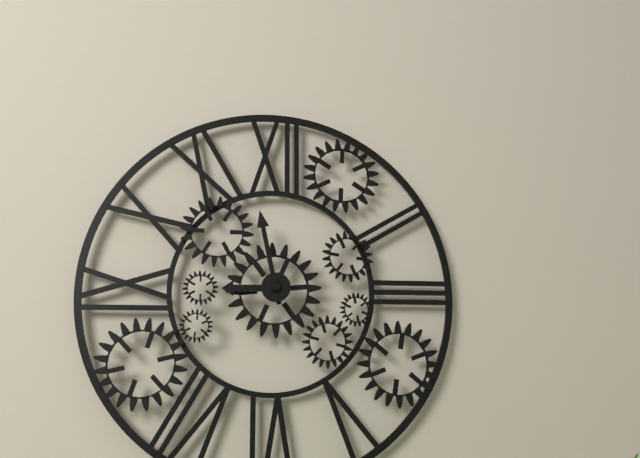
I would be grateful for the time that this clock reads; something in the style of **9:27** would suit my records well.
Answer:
**8:58**
